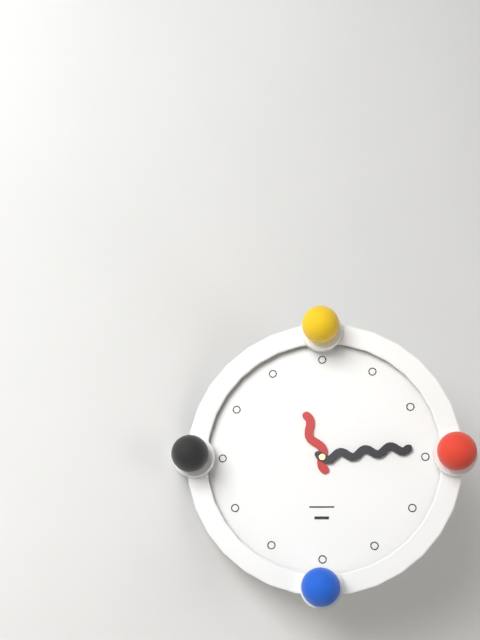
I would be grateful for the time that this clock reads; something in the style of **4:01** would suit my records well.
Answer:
**11:14**
